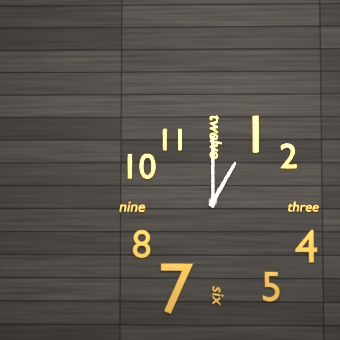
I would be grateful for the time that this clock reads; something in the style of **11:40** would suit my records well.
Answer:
**1:00**
